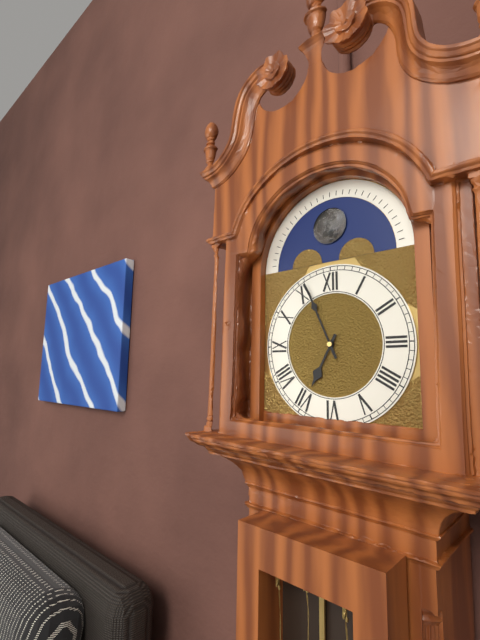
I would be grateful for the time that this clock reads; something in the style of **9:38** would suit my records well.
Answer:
**6:56**
